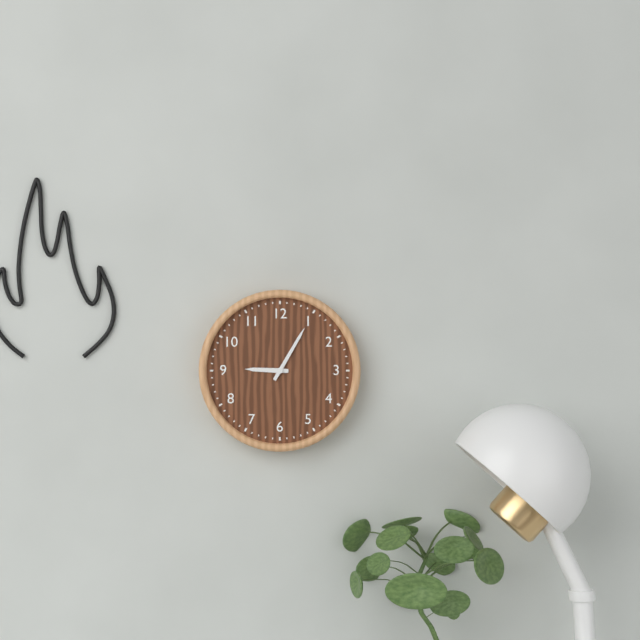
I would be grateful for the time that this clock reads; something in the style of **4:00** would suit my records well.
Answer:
**9:05**
